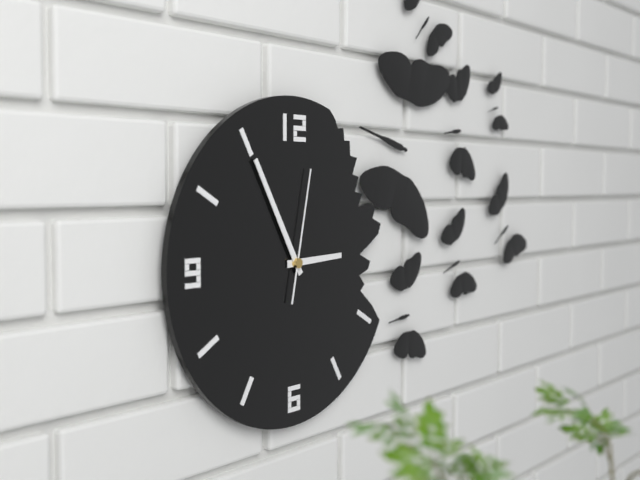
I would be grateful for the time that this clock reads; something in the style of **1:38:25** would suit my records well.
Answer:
**2:55:02**
